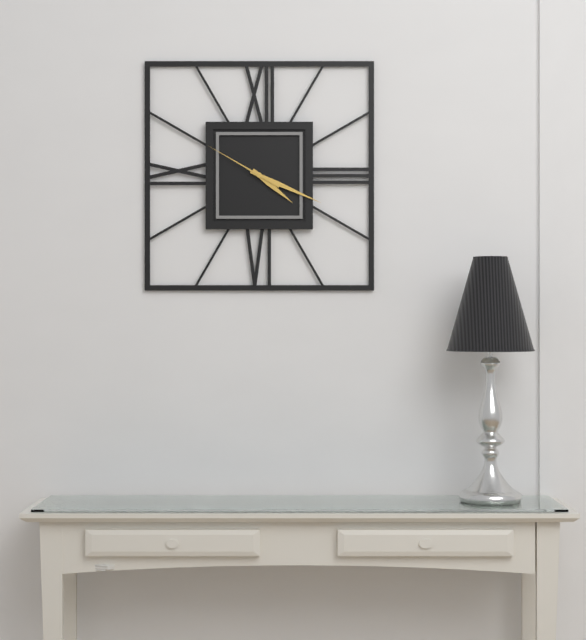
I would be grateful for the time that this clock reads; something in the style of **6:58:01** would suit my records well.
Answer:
**4:19:50**
